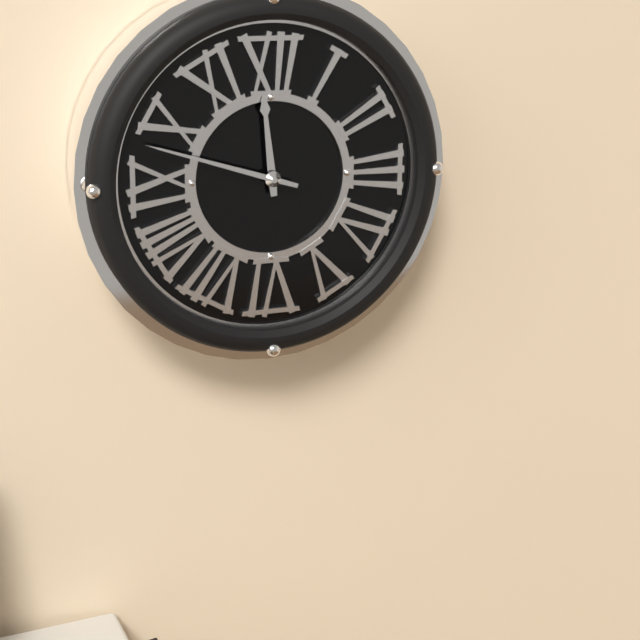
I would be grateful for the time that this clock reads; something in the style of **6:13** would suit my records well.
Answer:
**11:48**
